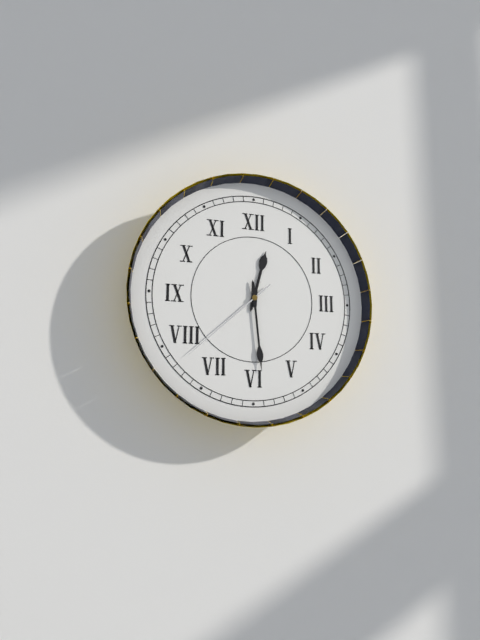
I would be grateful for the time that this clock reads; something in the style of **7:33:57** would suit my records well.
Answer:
**12:29:38**
